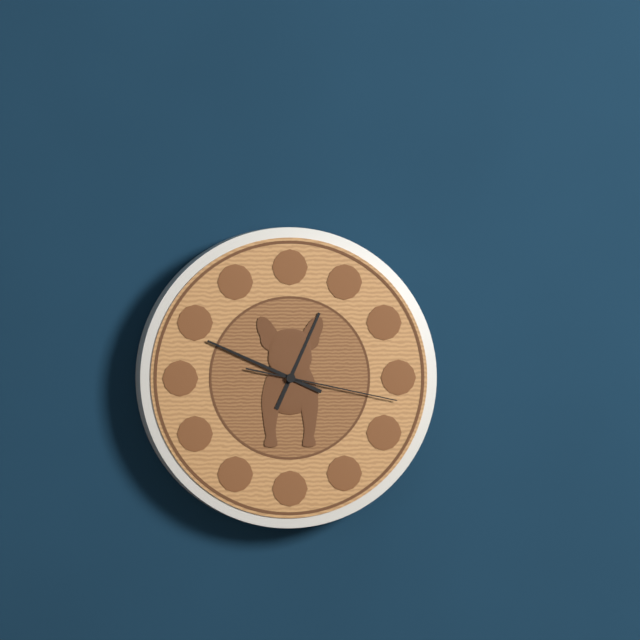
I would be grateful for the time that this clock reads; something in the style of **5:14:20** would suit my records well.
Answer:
**12:49:17**
